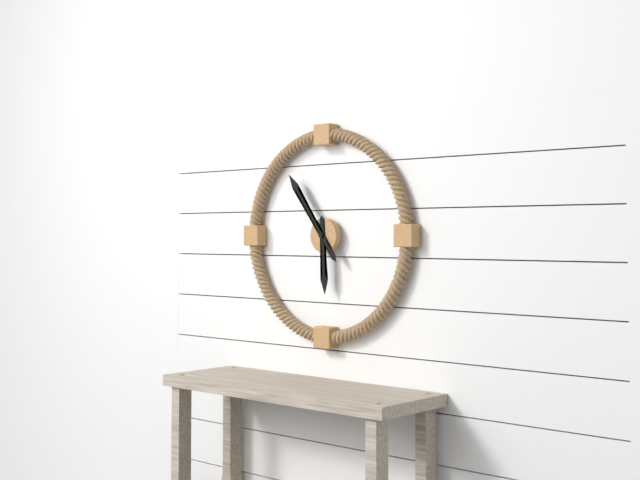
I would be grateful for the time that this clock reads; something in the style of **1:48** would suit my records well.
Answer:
**5:54**
